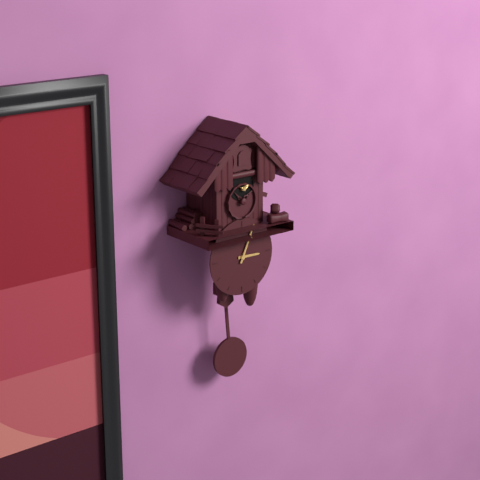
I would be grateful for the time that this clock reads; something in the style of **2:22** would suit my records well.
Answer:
**3:04**
